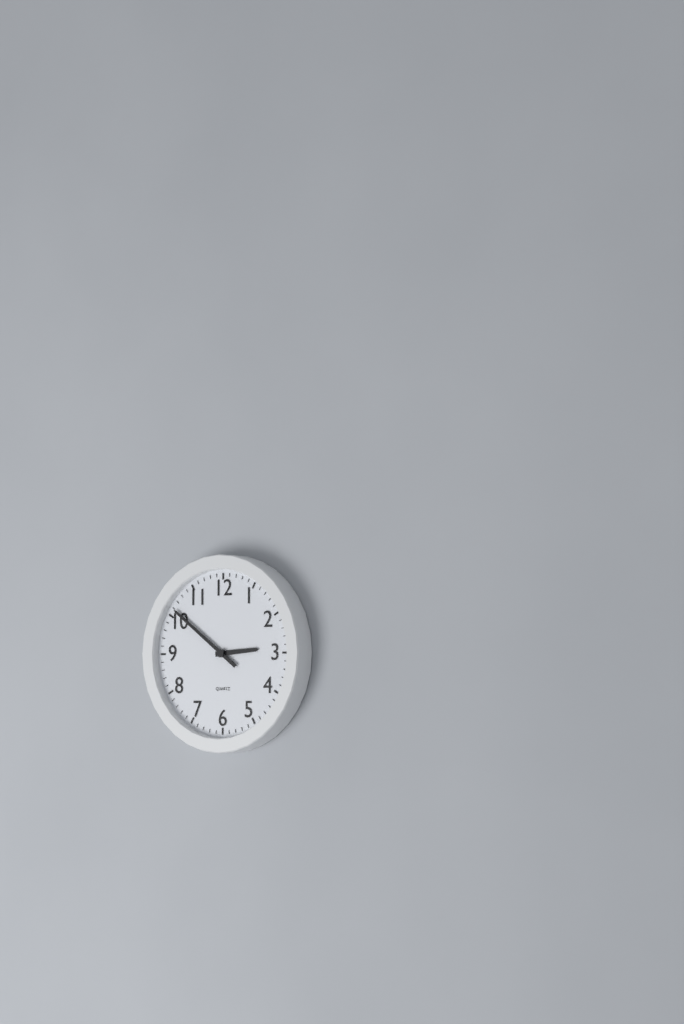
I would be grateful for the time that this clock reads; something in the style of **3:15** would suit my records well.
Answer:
**2:51**
